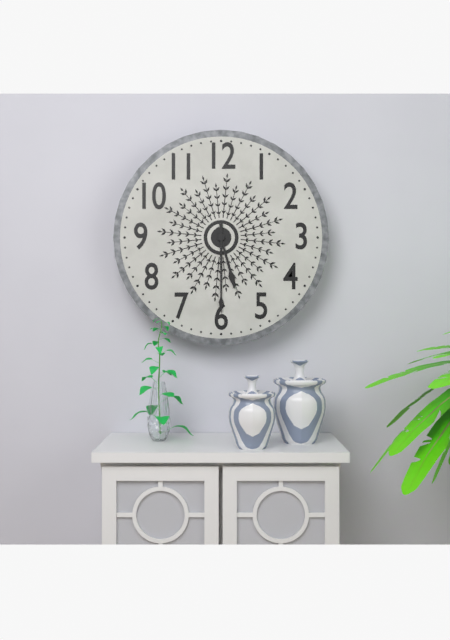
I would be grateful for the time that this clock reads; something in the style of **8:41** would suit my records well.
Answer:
**5:30**
